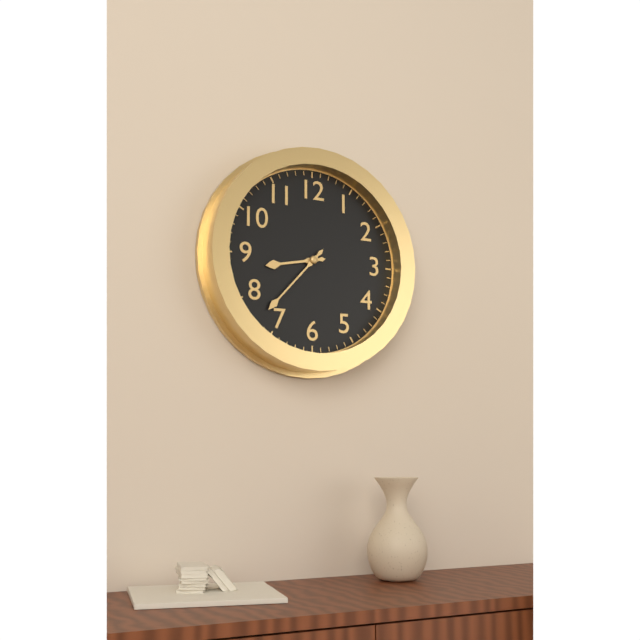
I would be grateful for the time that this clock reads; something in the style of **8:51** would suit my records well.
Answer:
**8:37**
